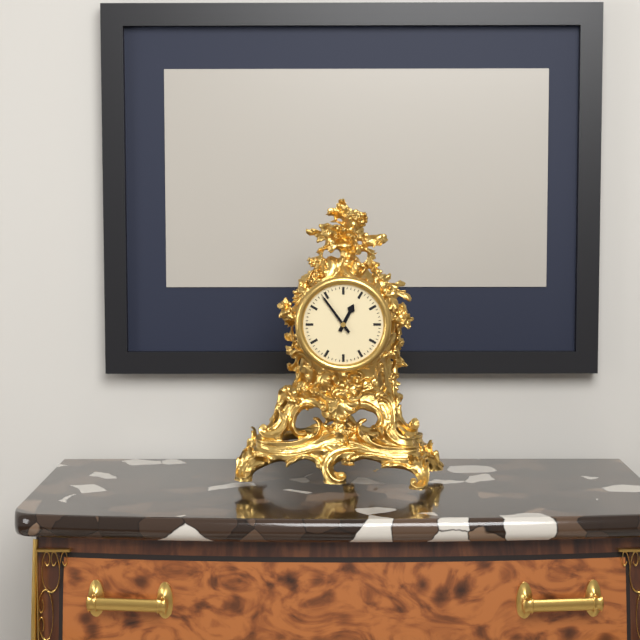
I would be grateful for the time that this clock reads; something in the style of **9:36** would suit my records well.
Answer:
**12:54**
